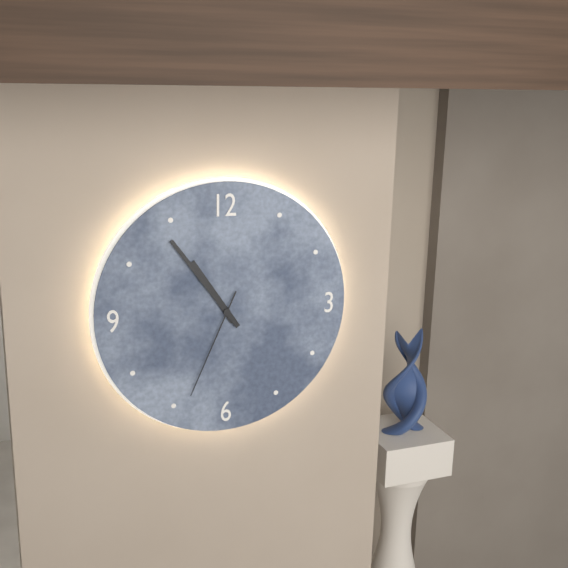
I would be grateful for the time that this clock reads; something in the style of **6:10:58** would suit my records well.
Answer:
**10:54:34**
